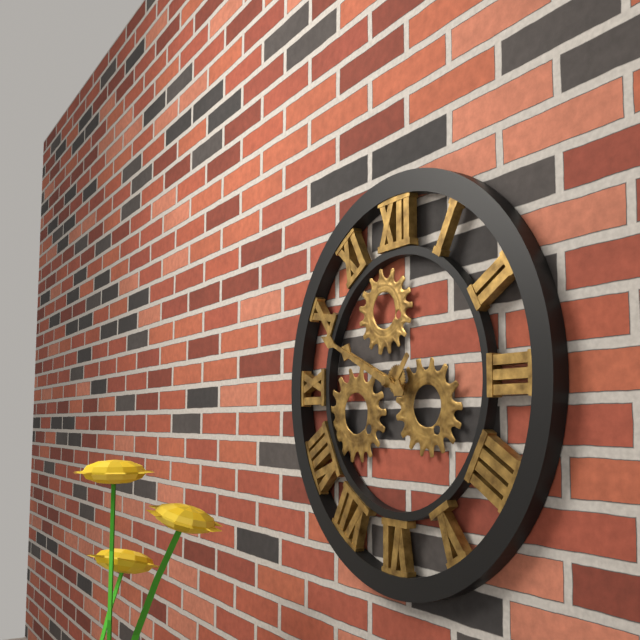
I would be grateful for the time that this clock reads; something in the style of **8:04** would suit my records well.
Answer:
**9:49**
